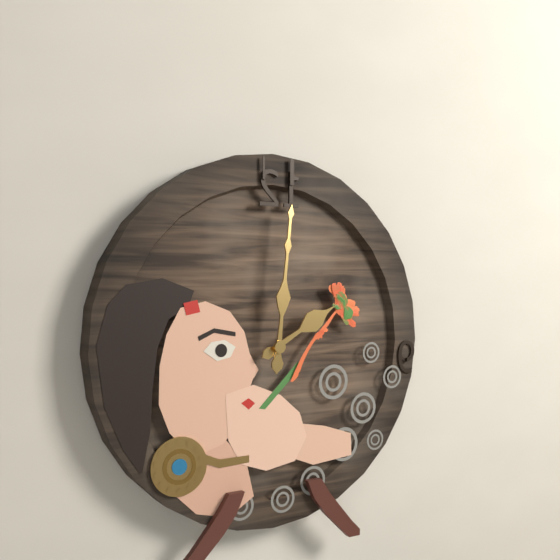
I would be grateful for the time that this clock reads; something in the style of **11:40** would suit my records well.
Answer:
**2:01**
